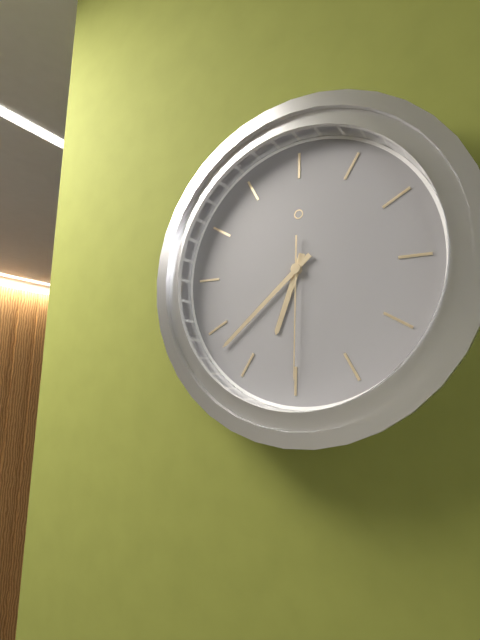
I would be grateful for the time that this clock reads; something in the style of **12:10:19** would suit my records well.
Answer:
**6:38:30**
